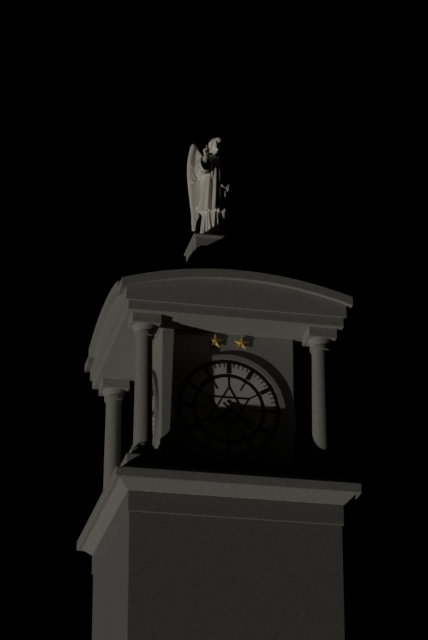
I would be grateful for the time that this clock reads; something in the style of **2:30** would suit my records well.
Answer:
**7:22**
